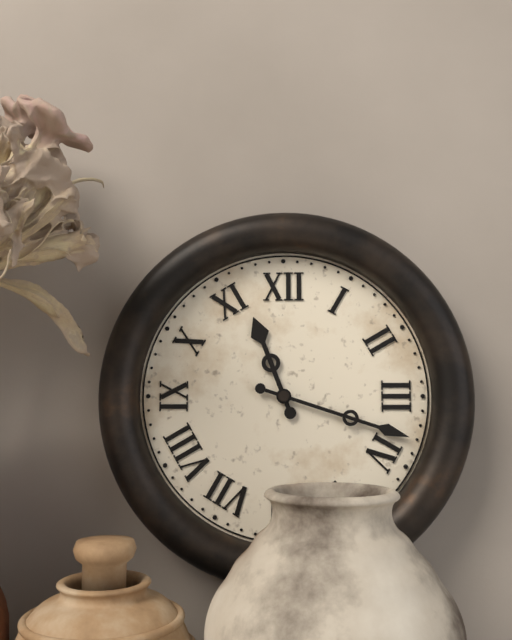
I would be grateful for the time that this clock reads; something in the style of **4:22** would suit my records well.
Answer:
**11:18**
